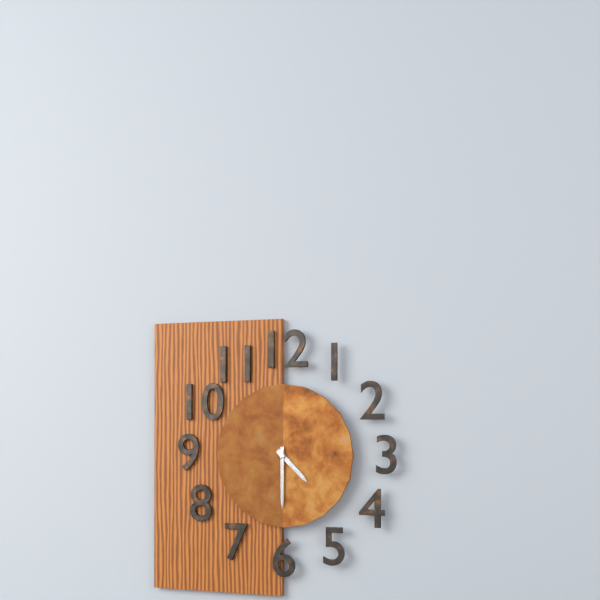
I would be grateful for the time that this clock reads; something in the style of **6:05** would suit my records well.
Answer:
**4:30**
